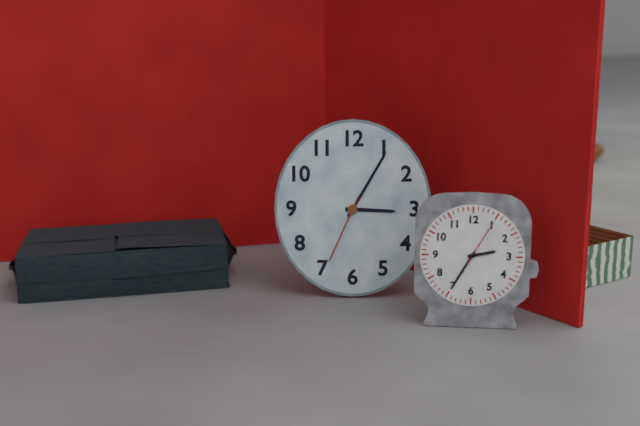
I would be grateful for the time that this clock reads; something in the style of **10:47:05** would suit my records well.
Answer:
**3:05:34**
